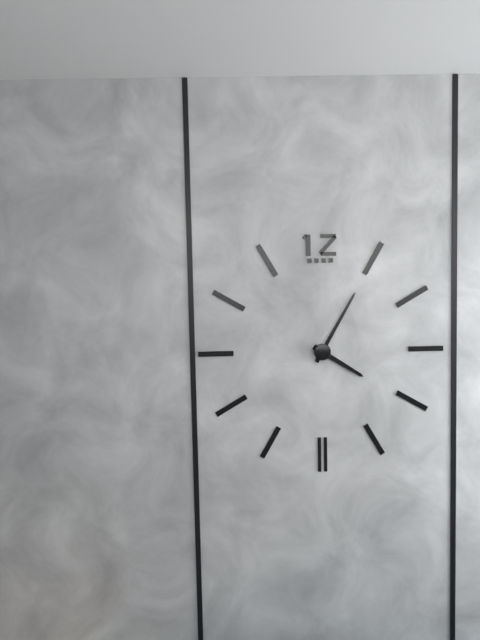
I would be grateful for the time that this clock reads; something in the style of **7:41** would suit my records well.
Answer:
**4:05**
